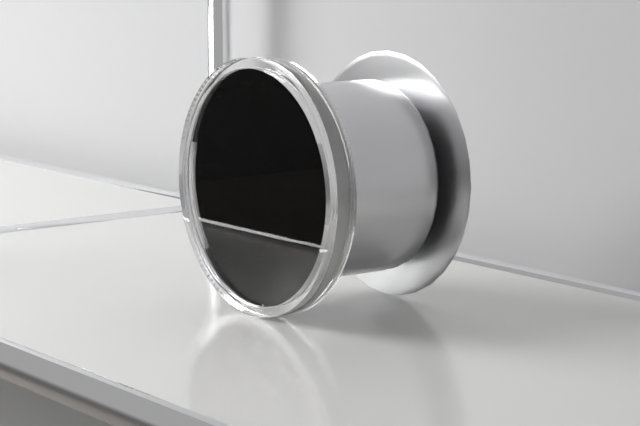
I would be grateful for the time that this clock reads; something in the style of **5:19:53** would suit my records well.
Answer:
**6:27:31**
